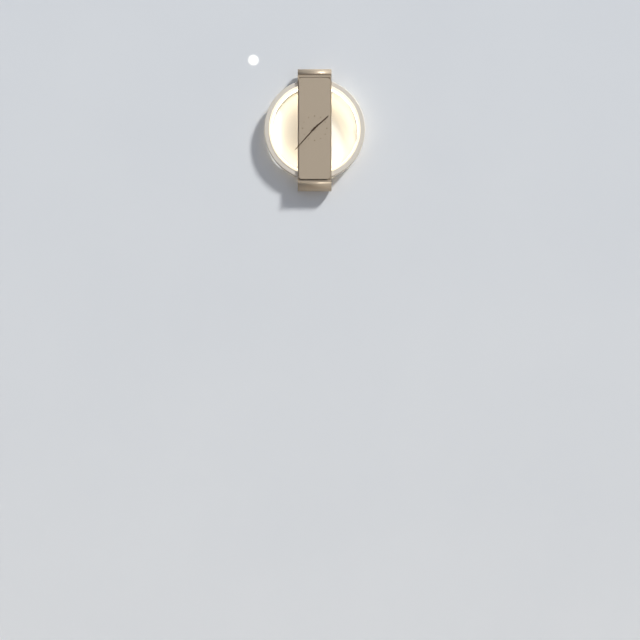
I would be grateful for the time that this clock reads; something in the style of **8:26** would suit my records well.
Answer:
**1:37**
